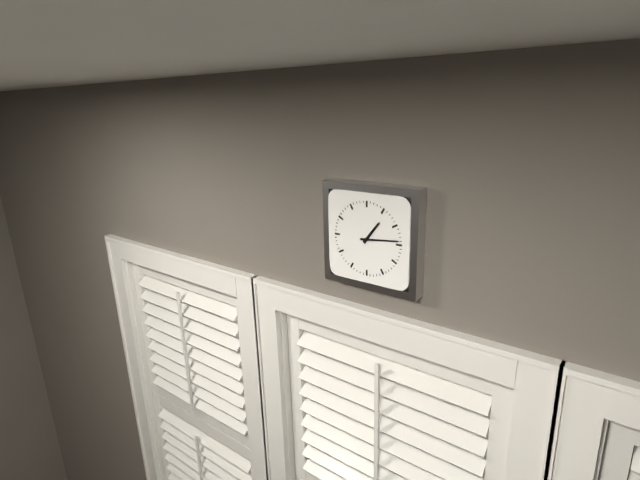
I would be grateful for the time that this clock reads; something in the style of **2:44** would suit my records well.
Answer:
**1:14**
